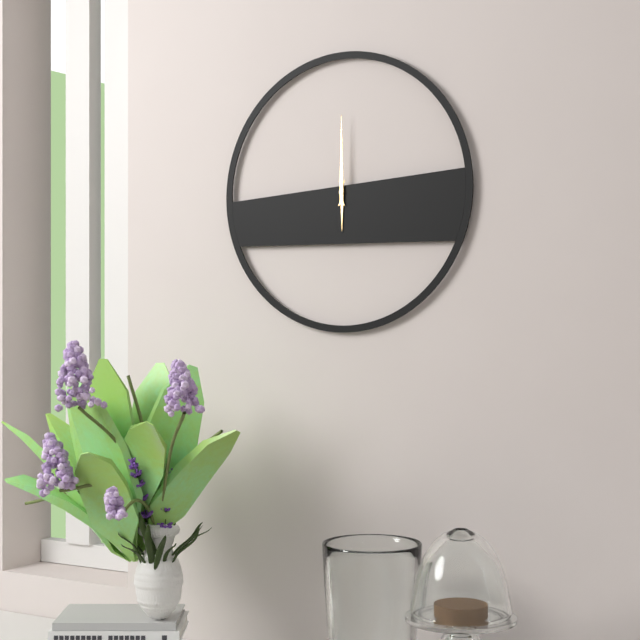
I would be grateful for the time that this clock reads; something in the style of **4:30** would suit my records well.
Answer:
**6:00**
